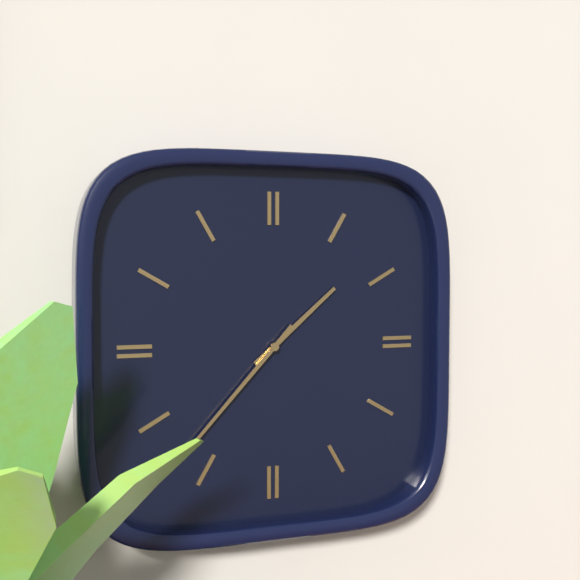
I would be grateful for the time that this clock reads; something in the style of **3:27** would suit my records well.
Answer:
**1:37**
